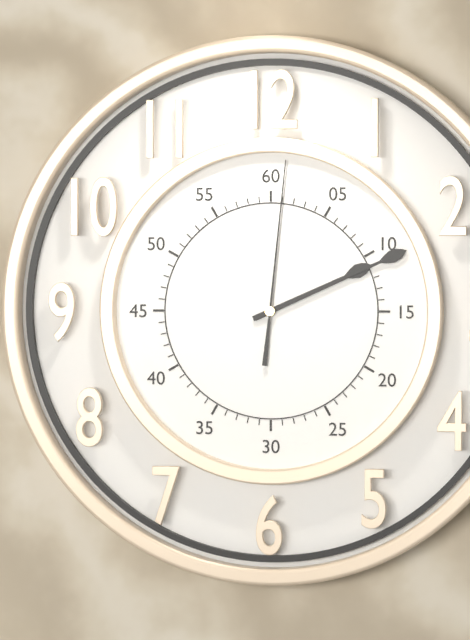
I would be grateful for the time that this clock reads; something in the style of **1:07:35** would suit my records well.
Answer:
**2:11:01**
